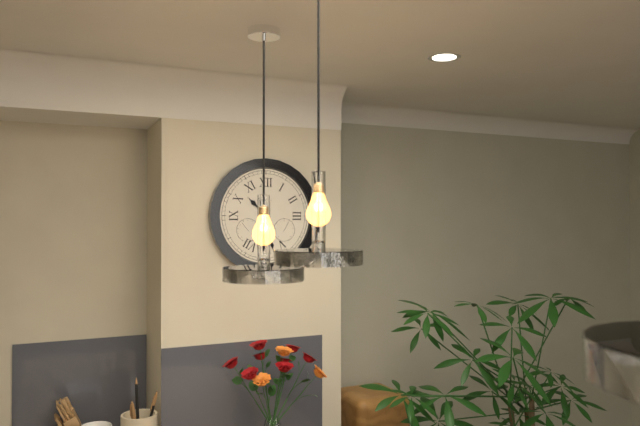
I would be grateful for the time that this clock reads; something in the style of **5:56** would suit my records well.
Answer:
**10:28**
